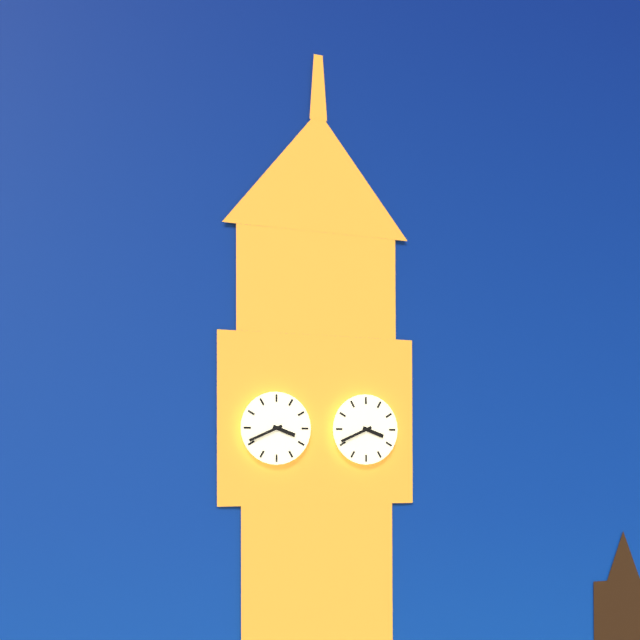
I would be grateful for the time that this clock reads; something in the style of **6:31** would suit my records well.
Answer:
**3:41**
